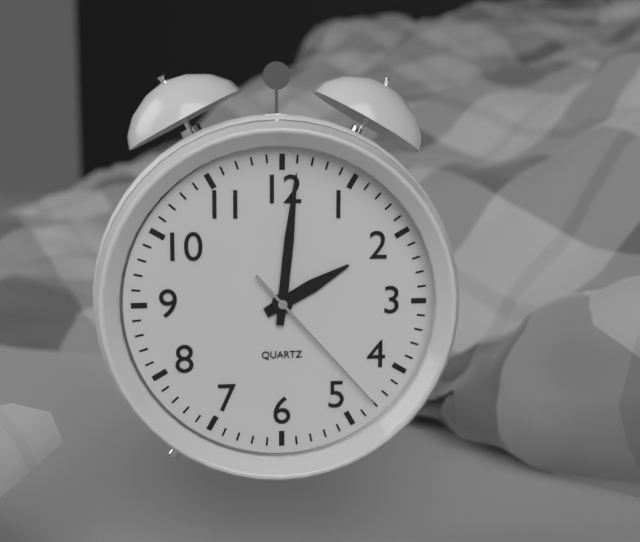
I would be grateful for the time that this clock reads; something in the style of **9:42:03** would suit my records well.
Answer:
**2:01:23**
